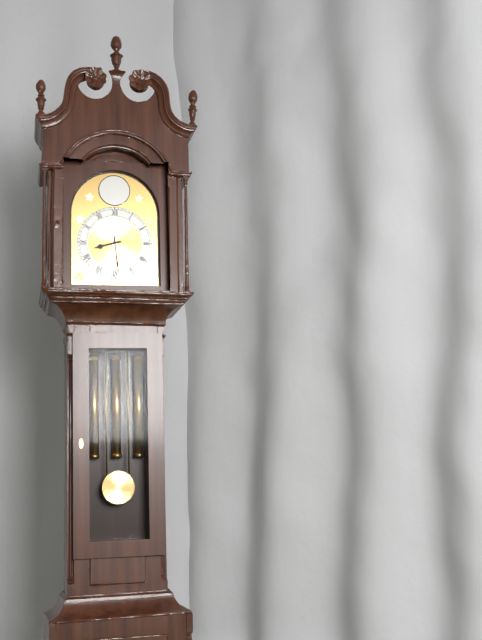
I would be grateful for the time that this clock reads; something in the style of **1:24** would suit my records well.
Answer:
**8:29**
